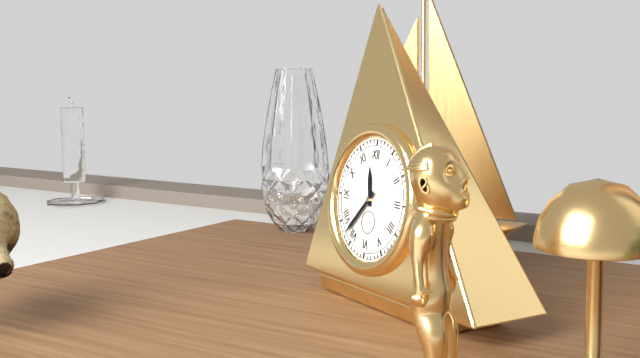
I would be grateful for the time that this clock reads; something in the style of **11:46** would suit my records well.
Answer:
**11:37**
